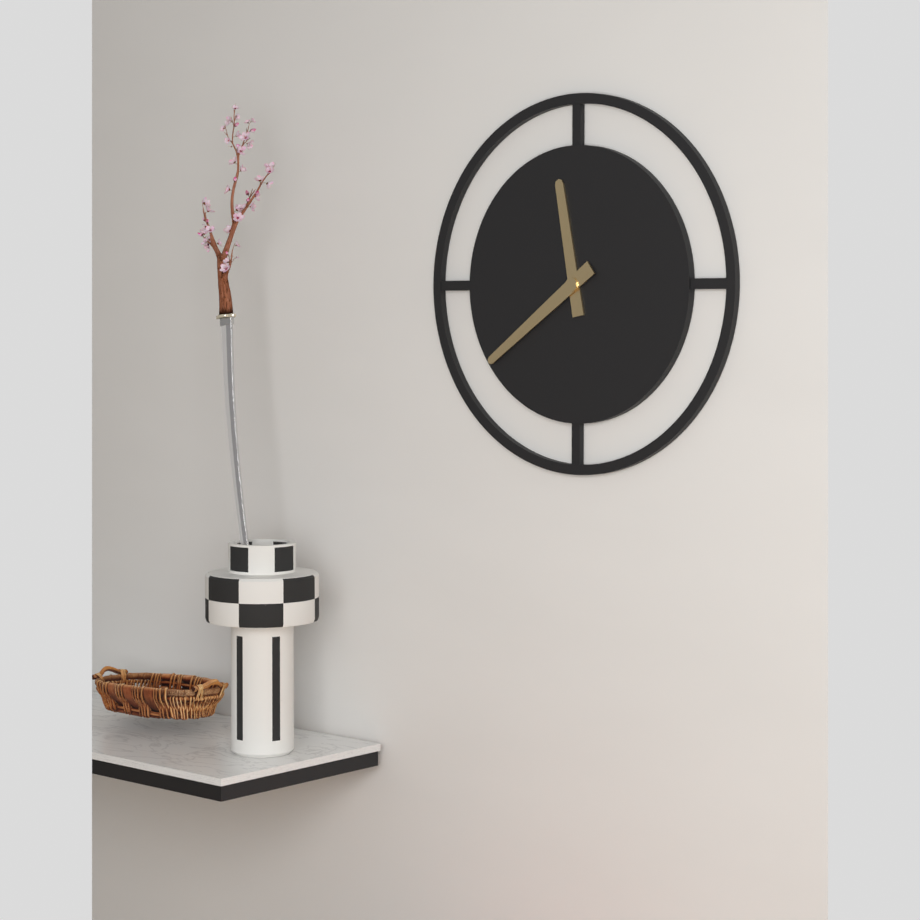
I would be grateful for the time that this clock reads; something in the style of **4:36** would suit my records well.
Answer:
**11:39**
